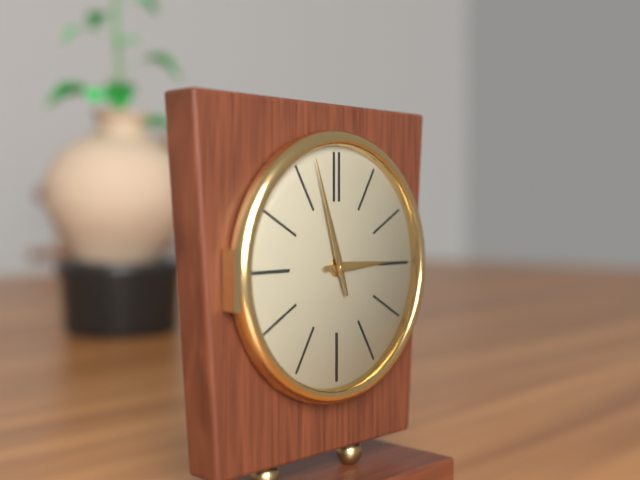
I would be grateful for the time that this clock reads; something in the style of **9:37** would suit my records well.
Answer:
**2:57**
